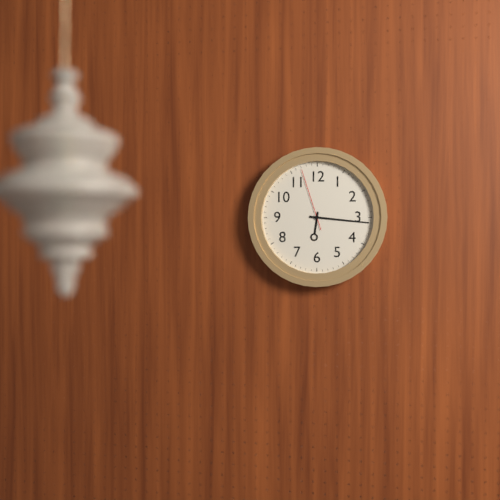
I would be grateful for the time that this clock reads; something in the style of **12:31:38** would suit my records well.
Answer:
**6:16:57**
